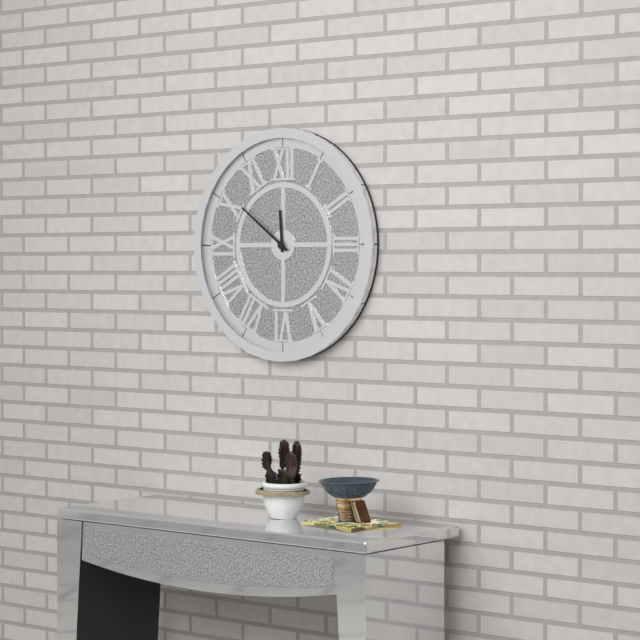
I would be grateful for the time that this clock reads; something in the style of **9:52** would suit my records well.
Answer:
**11:51**
